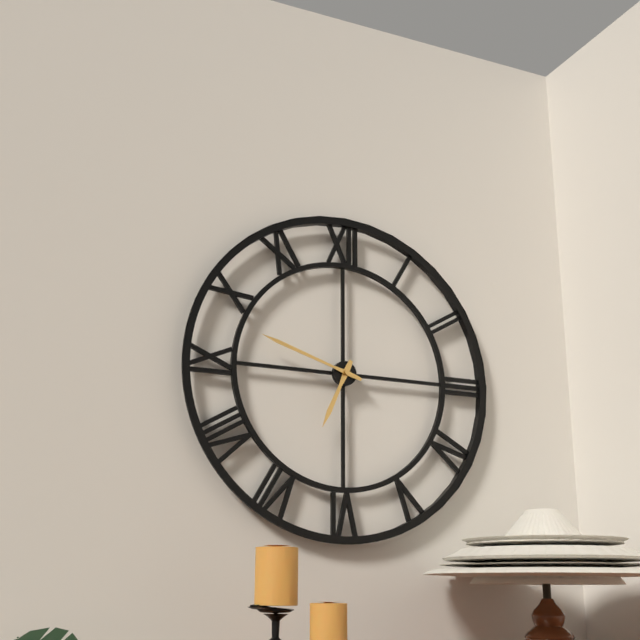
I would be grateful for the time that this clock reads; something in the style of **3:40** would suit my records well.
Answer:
**6:48**
